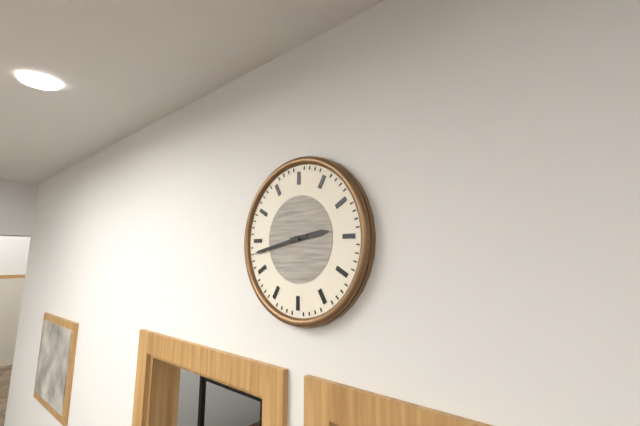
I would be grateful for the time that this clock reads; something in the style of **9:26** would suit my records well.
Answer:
**2:43**
